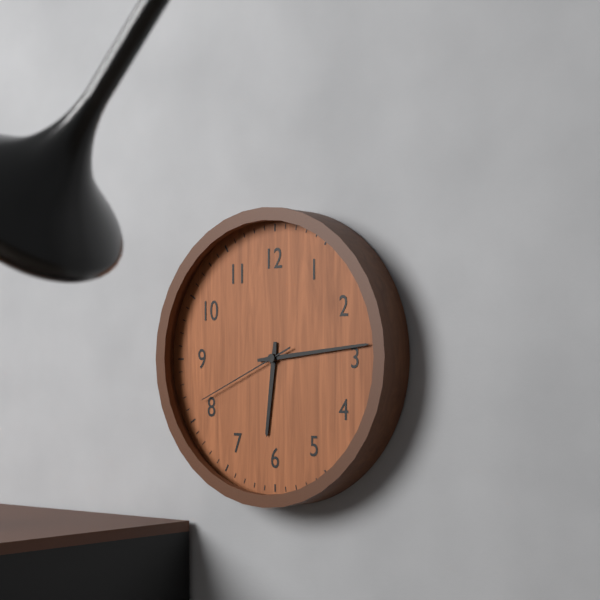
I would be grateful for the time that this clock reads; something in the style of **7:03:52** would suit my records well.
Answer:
**6:14:41**
